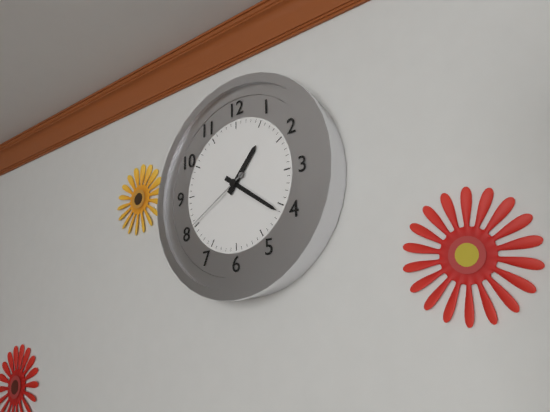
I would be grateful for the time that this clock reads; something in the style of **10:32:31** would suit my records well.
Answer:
**1:21:40**
